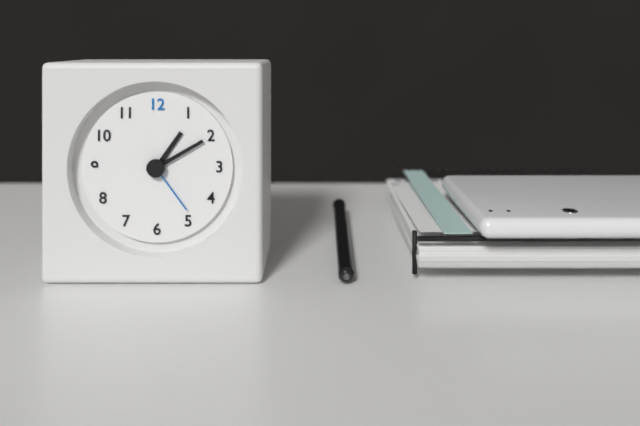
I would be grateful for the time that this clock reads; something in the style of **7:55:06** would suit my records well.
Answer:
**1:10:24**
